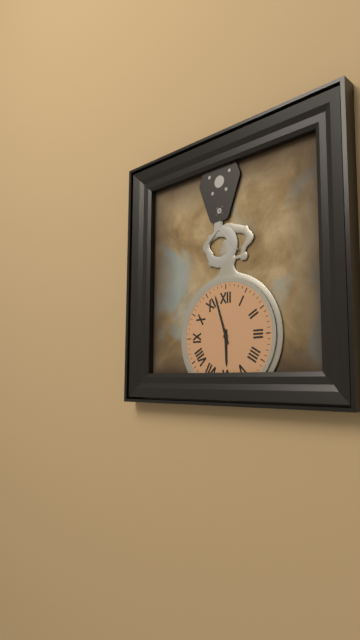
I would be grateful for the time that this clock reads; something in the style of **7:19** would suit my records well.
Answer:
**5:57**
